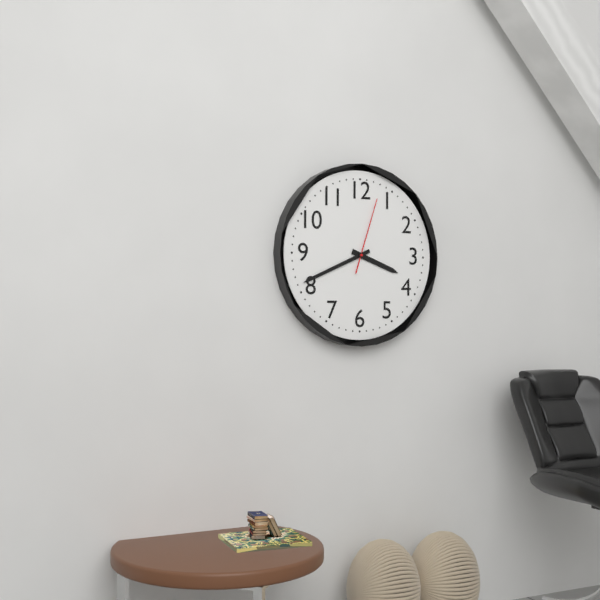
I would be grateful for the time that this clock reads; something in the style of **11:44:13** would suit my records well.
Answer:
**3:41:03**
